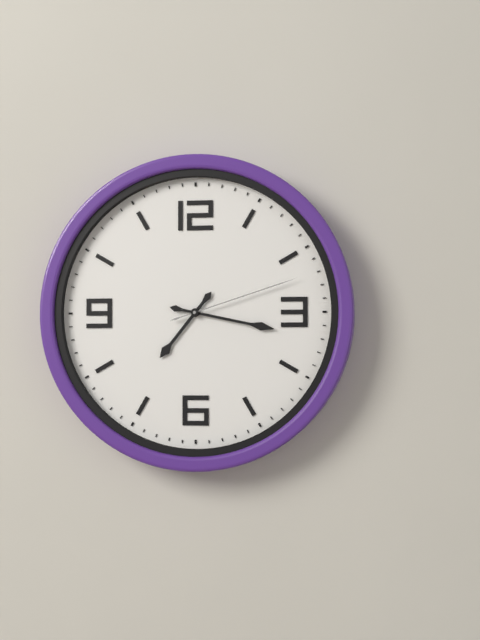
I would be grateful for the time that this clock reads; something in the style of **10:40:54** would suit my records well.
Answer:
**7:17:12**
